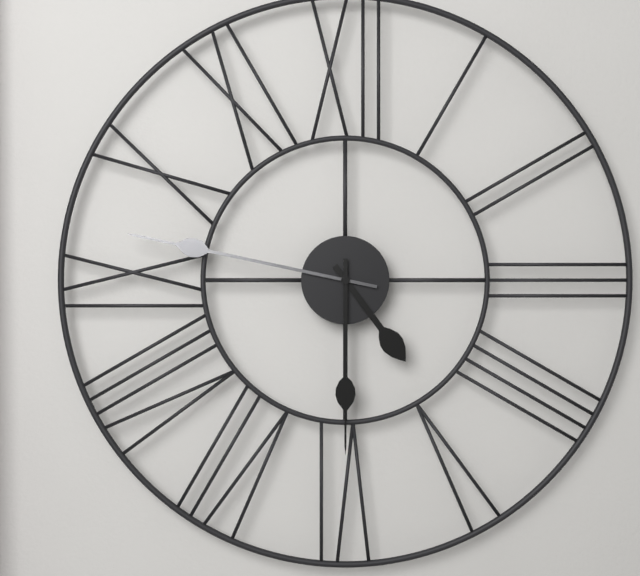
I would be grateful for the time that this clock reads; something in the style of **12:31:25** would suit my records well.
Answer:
**4:47:30**
